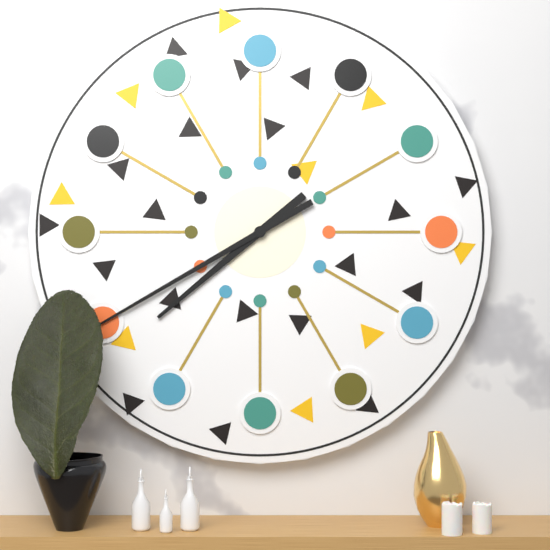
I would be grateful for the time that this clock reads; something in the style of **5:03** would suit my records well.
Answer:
**7:40**
